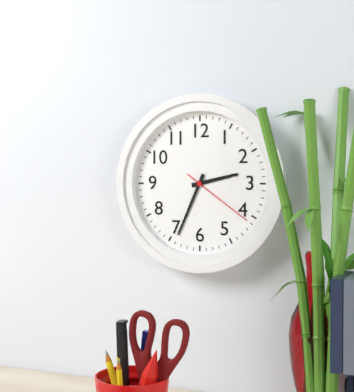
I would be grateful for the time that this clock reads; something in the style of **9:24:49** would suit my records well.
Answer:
**2:34:21**
